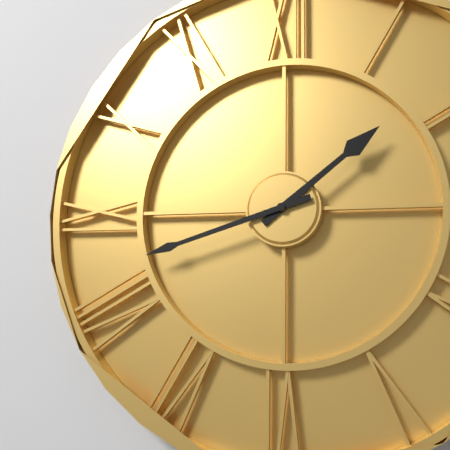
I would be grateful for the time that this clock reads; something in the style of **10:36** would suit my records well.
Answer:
**1:42**
